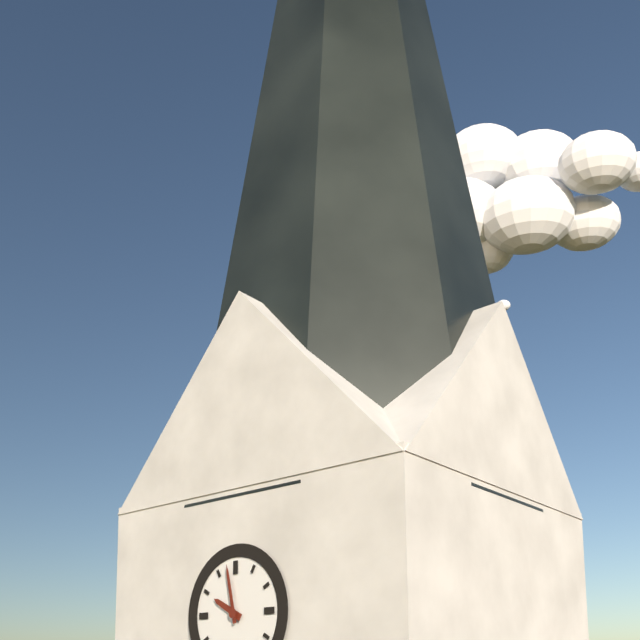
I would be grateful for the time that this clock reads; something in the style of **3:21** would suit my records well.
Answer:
**9:58**
